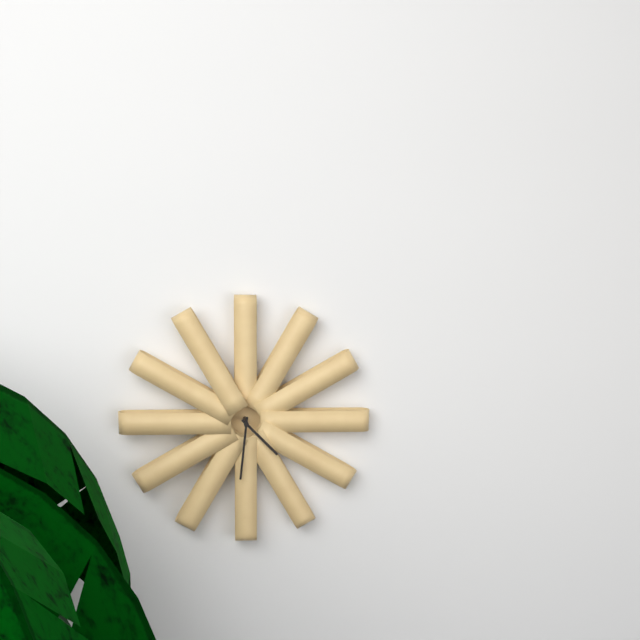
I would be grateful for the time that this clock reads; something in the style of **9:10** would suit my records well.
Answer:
**4:31**
